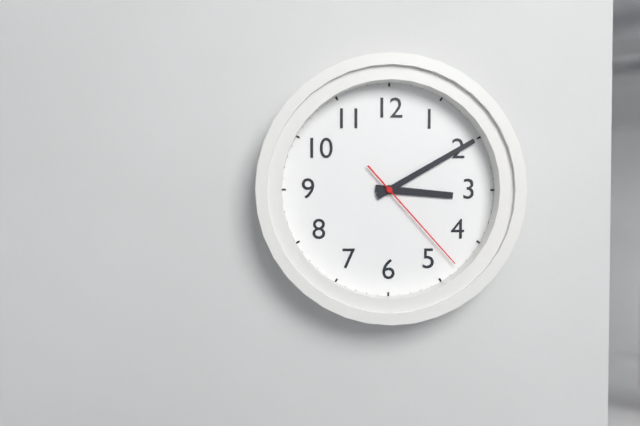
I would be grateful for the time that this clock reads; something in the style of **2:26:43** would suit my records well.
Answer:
**3:10:23**
